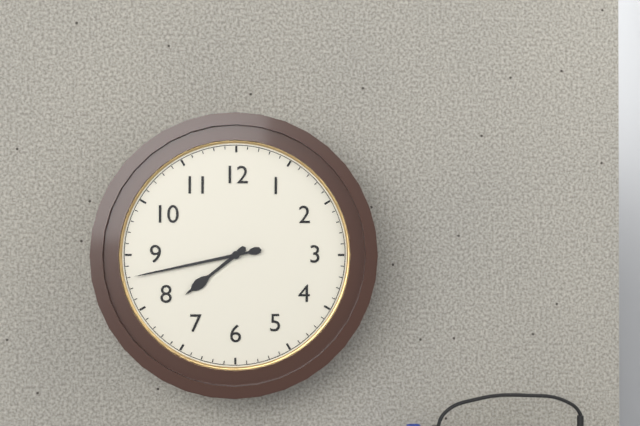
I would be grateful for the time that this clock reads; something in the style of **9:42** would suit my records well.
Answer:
**7:43**
